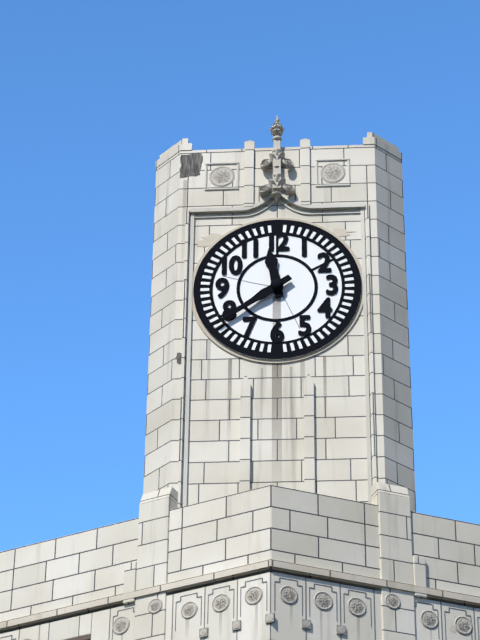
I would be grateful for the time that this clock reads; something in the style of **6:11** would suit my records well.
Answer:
**11:39**
